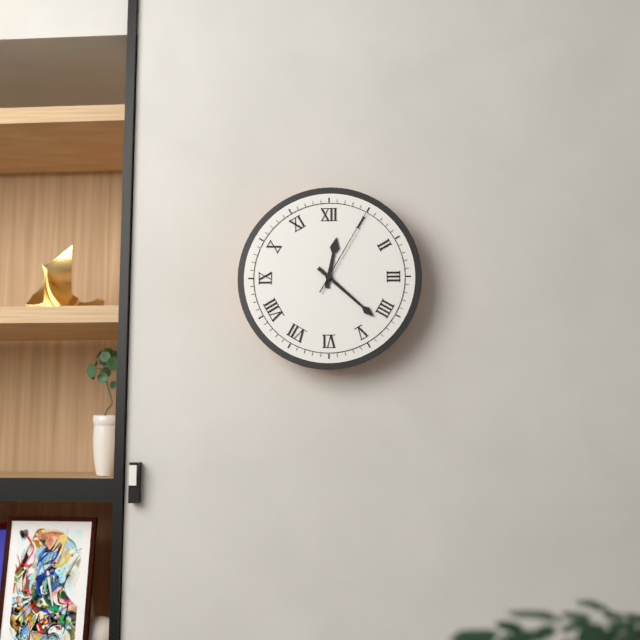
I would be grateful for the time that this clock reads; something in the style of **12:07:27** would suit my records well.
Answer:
**12:22:05**
